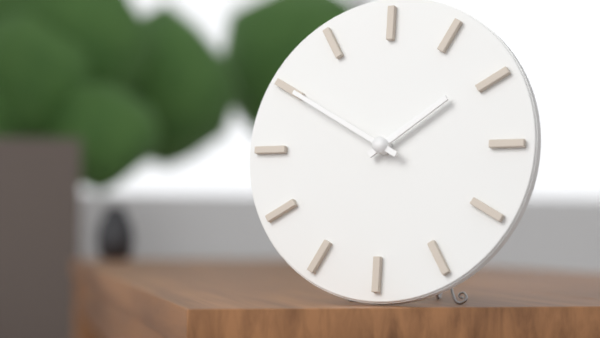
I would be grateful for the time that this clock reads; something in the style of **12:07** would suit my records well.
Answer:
**1:50**
